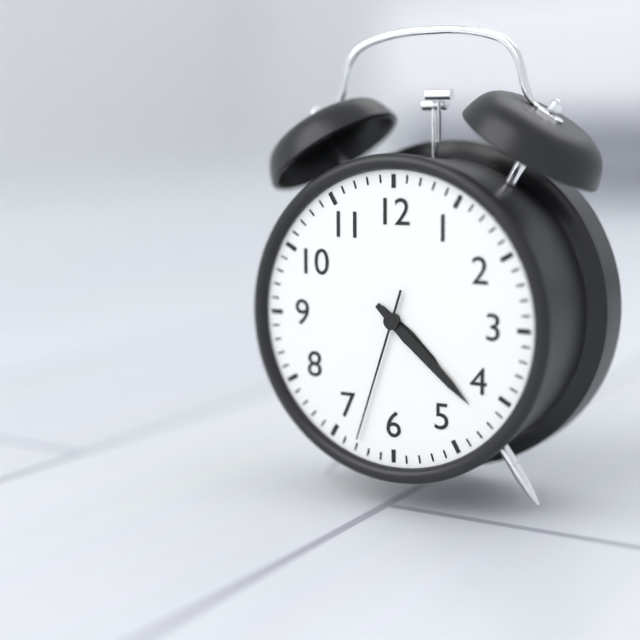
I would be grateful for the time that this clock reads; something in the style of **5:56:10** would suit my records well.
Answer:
**4:22:33**
